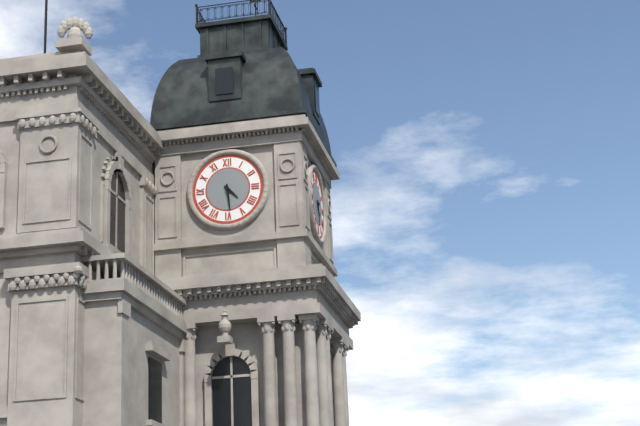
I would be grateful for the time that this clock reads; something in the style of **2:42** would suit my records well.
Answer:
**4:29**
